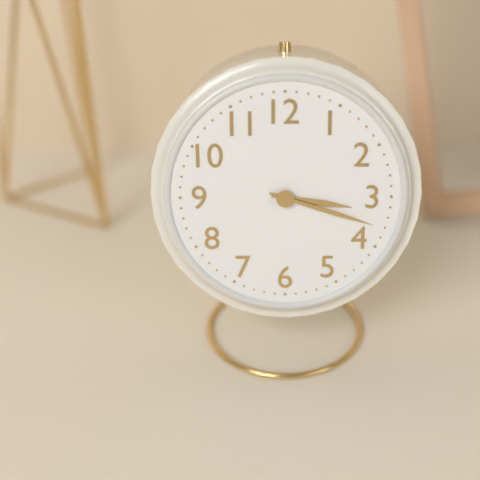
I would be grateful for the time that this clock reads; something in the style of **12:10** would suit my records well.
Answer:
**3:18**
